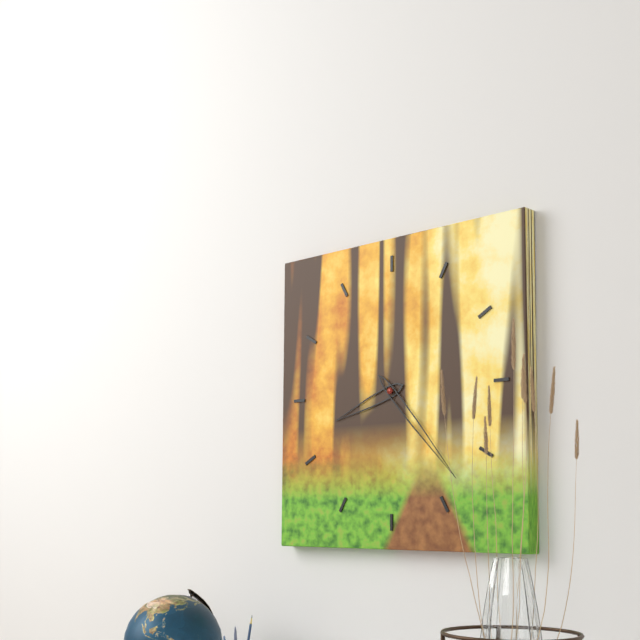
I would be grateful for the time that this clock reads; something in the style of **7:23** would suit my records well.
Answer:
**8:23**
